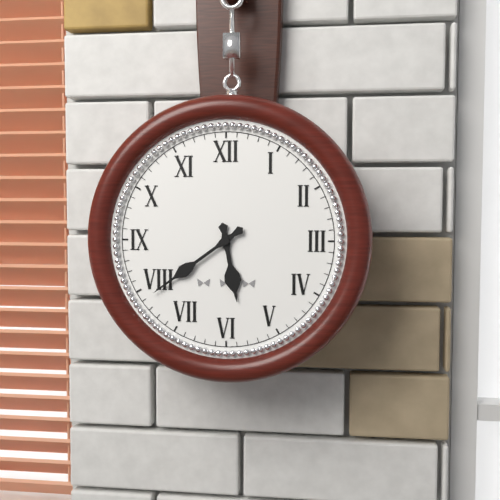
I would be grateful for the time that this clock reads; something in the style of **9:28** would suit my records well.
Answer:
**5:39**
